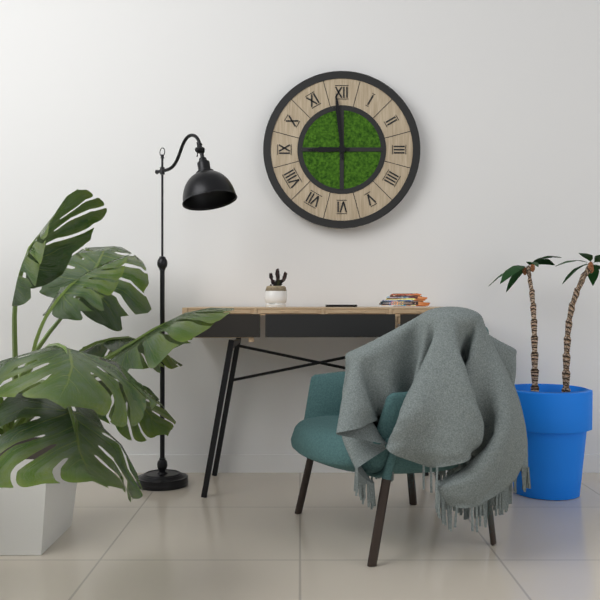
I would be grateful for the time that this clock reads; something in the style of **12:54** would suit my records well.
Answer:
**8:59**
